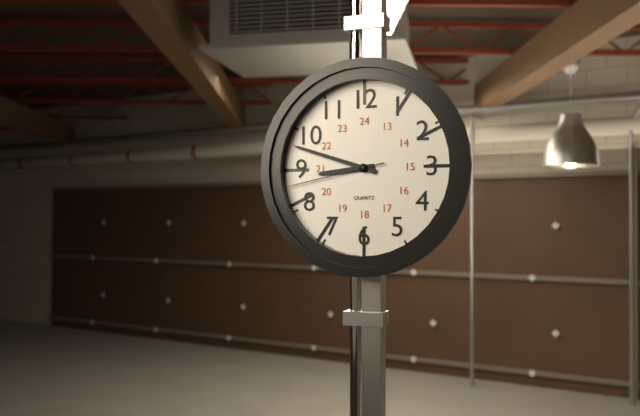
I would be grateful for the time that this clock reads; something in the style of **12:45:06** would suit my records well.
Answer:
**8:48:43**
